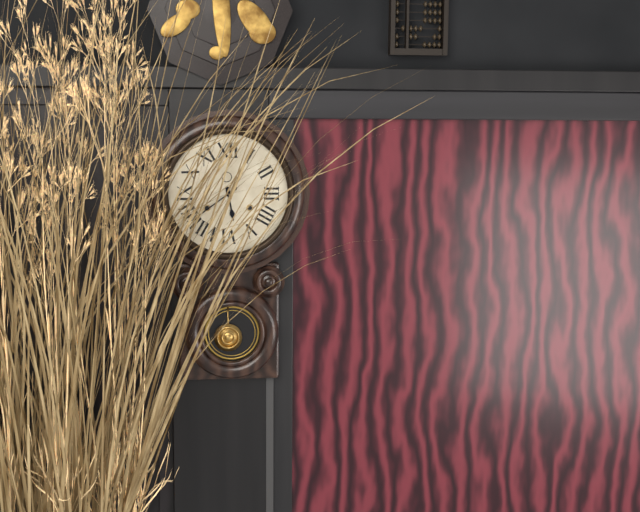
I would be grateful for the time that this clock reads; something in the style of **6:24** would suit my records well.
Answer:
**5:39**
